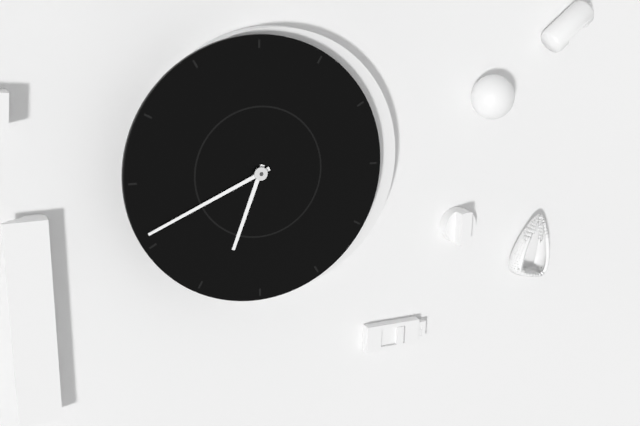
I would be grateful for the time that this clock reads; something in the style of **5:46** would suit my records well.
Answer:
**6:41**
